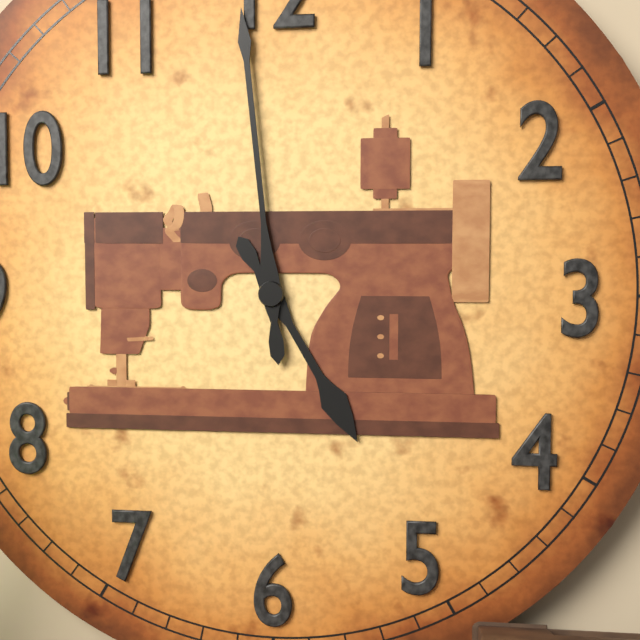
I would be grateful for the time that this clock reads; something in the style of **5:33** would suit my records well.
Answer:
**4:59**
